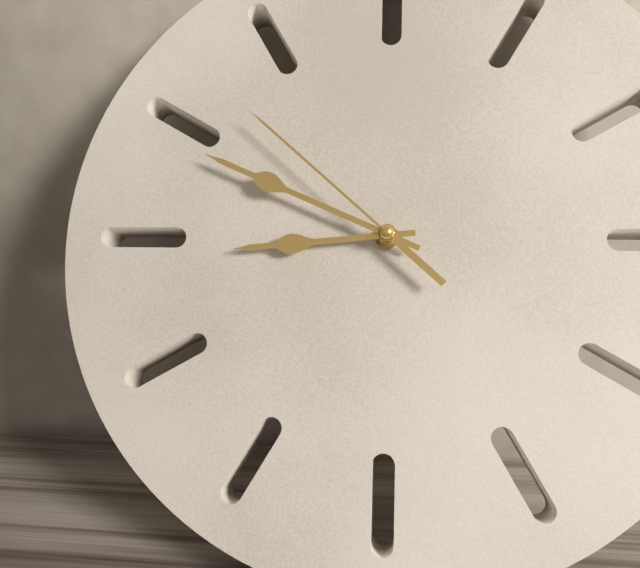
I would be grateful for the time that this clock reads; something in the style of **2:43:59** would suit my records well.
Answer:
**8:49:52**
